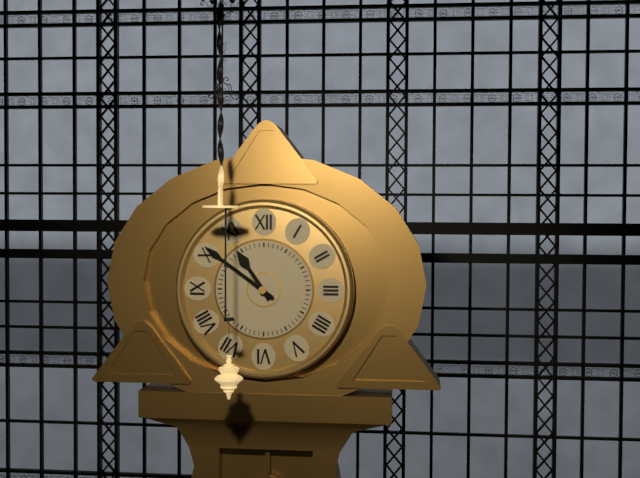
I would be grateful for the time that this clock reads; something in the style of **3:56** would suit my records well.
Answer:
**10:51**
